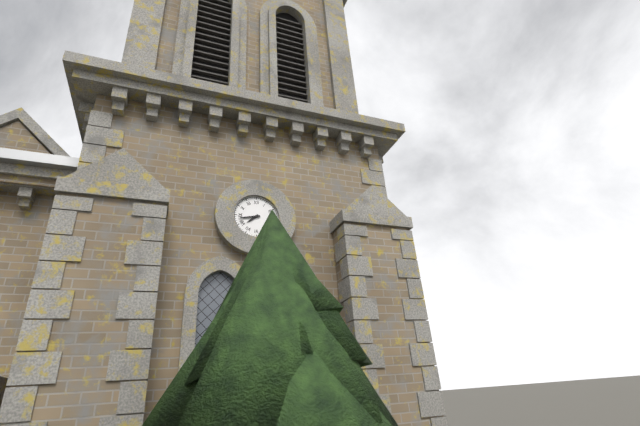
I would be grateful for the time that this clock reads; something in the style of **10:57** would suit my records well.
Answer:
**7:43**
